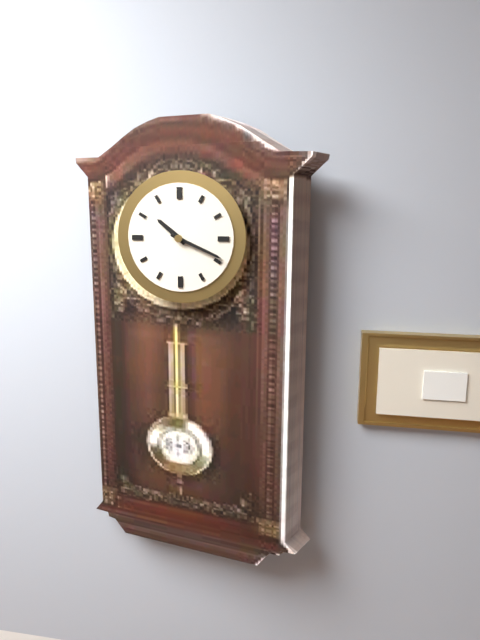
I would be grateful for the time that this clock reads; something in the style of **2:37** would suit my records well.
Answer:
**10:19**
